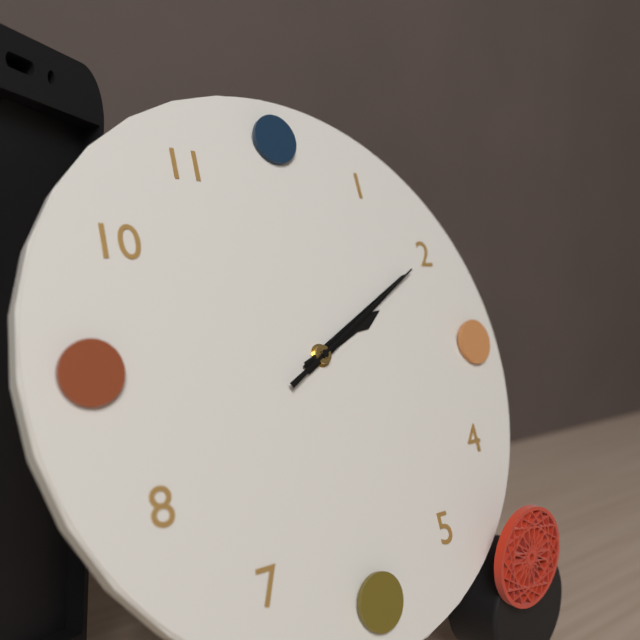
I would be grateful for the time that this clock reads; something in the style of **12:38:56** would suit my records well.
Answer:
**2:10:10**
